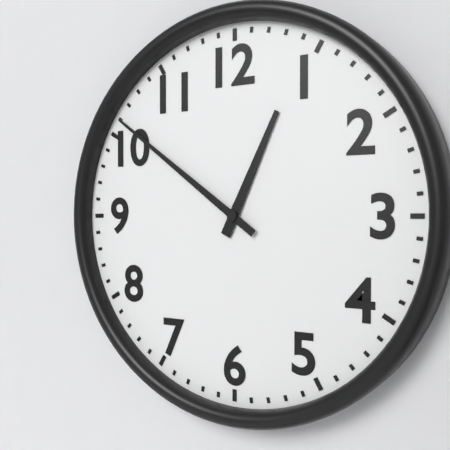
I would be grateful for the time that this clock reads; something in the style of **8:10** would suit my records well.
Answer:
**12:51**
